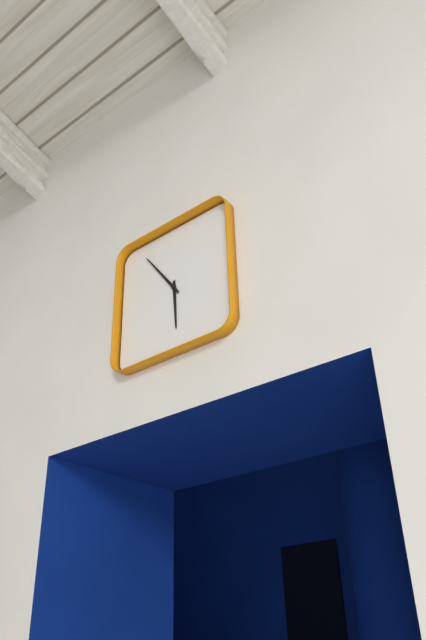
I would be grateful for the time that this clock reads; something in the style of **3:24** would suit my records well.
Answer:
**5:54**
